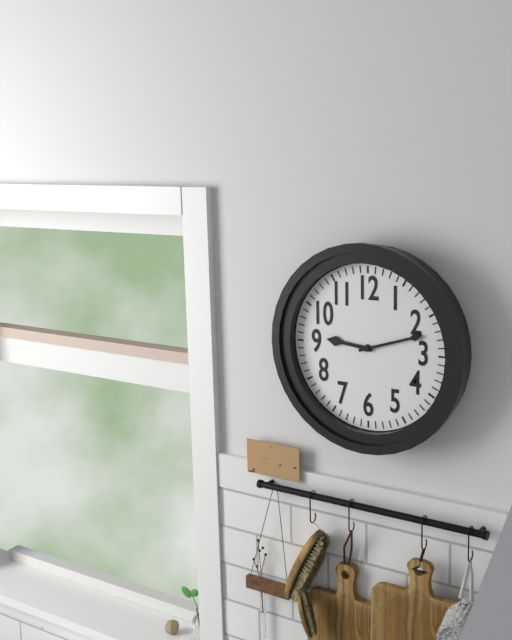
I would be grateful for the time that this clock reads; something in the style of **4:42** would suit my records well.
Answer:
**9:12**
